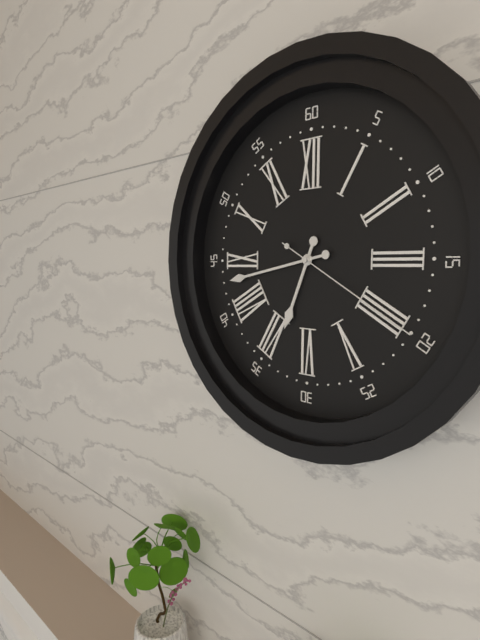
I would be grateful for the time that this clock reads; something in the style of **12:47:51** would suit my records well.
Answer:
**6:43:20**
